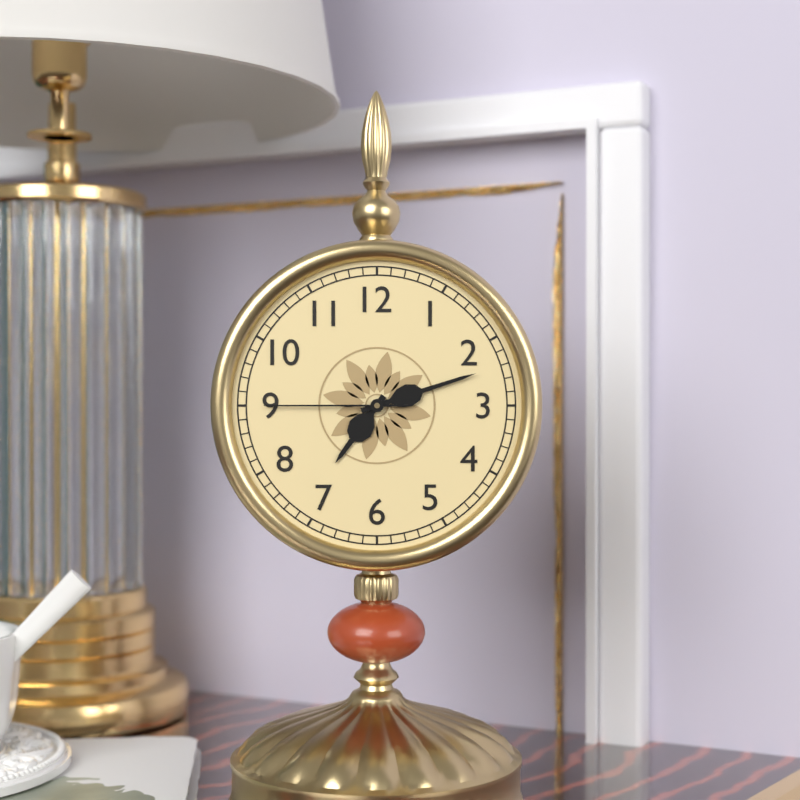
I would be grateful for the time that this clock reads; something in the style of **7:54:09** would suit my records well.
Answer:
**7:12:45**
